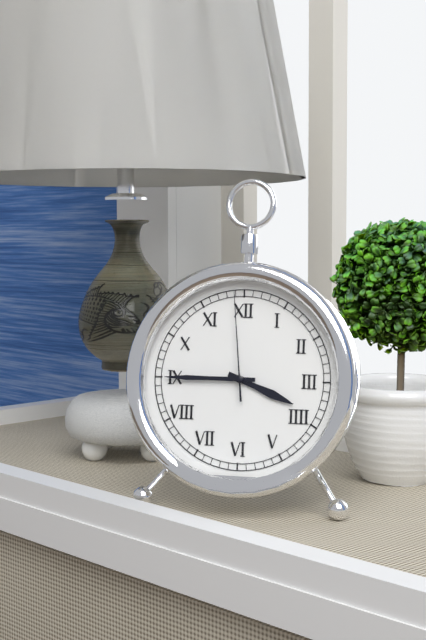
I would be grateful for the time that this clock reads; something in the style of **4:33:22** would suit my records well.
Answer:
**3:45:59**
